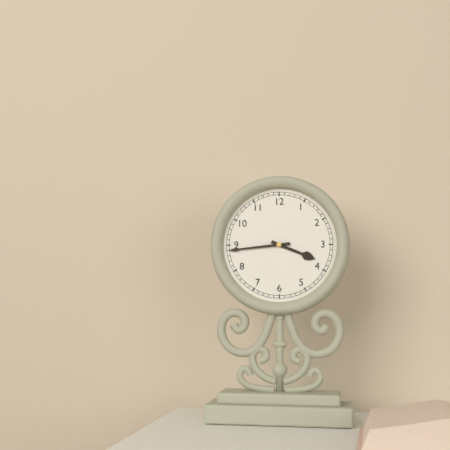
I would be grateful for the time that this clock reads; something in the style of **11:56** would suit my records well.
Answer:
**3:44**
